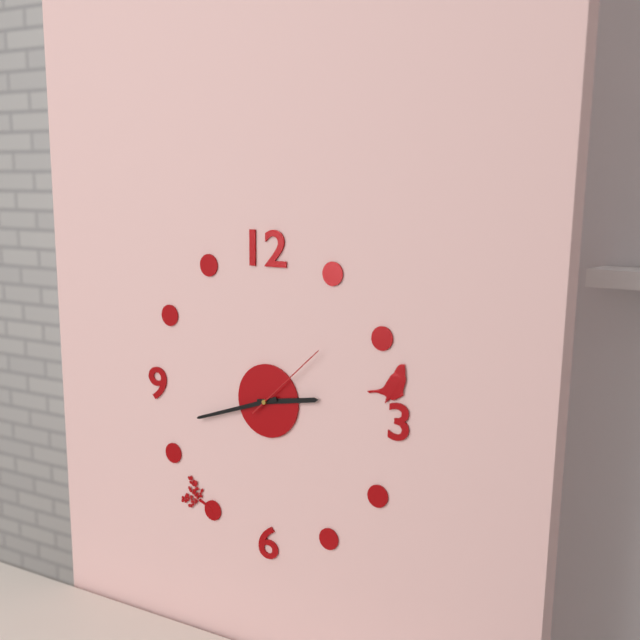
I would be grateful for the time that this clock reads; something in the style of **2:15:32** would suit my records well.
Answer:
**2:42:08**
